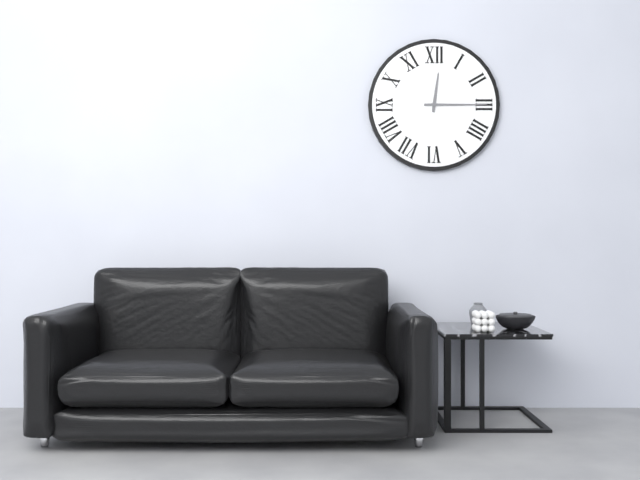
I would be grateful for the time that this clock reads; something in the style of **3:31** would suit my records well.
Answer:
**12:15**
